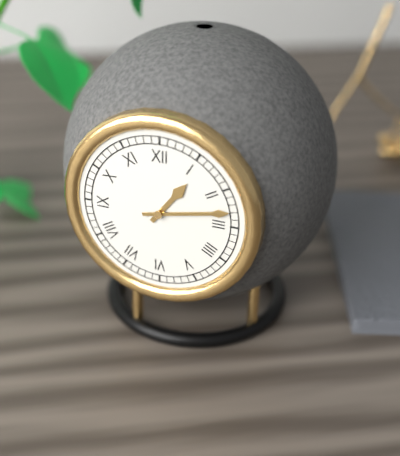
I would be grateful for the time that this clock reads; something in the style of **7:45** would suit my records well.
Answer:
**1:13**
